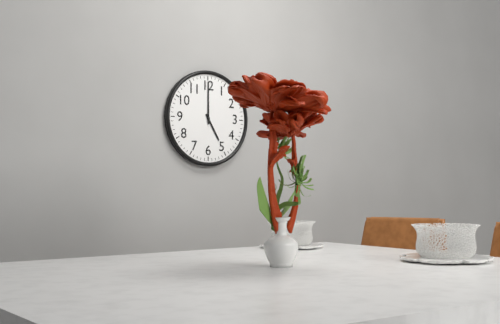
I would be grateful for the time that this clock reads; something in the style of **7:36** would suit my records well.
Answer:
**5:00**
